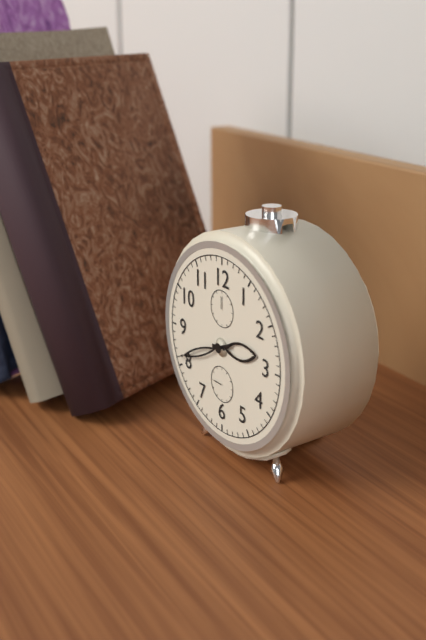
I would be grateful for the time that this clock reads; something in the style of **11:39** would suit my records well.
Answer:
**2:41**
